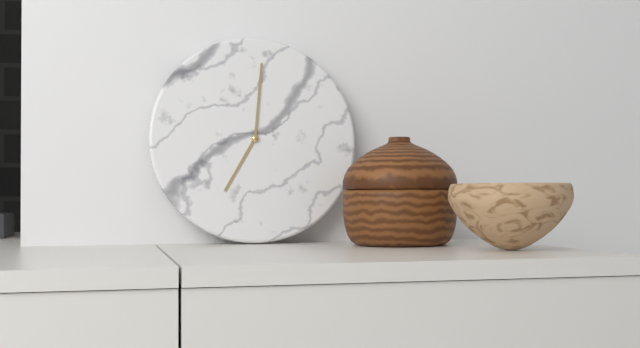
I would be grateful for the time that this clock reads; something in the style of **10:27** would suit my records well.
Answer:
**7:01**
